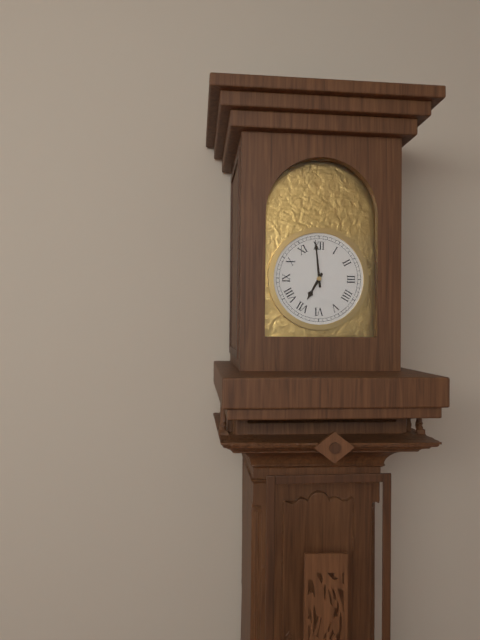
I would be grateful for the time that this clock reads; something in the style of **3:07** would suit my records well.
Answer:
**6:59**
